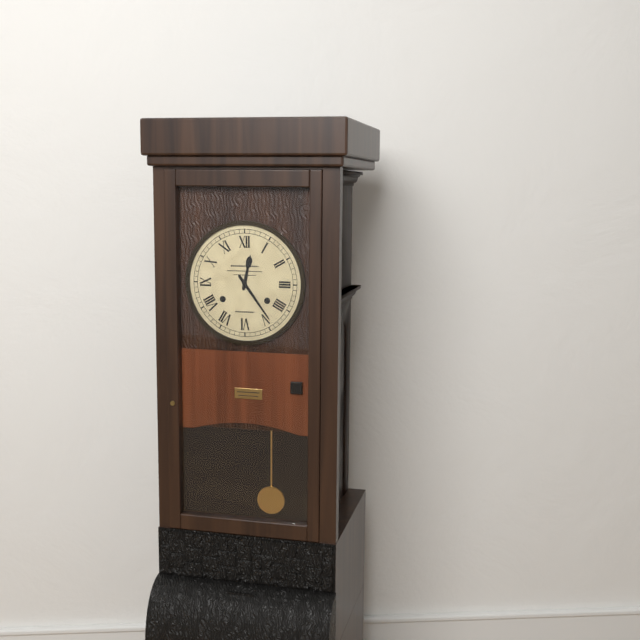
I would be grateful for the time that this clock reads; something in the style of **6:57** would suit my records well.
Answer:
**12:24**
